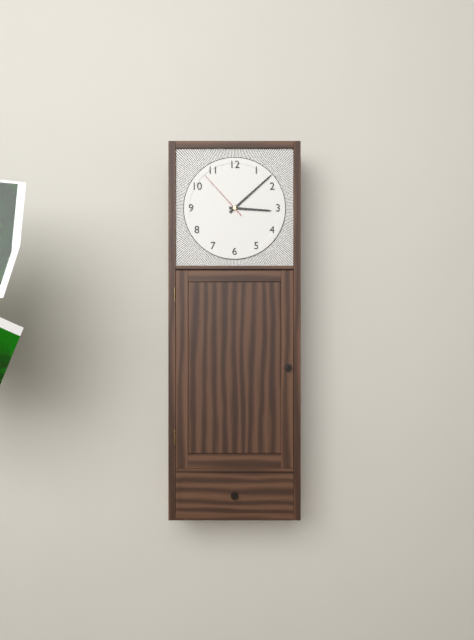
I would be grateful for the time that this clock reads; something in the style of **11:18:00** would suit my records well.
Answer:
**3:08:53**
